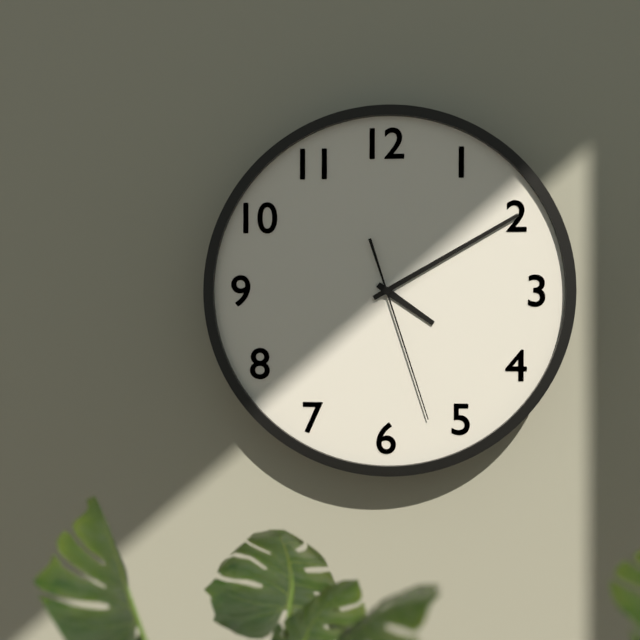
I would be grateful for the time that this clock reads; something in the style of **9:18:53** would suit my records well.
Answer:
**4:10:27**
